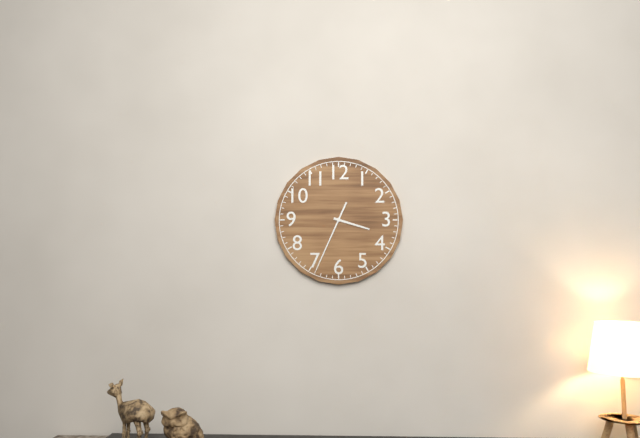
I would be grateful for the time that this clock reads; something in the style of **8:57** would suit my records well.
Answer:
**3:34**
